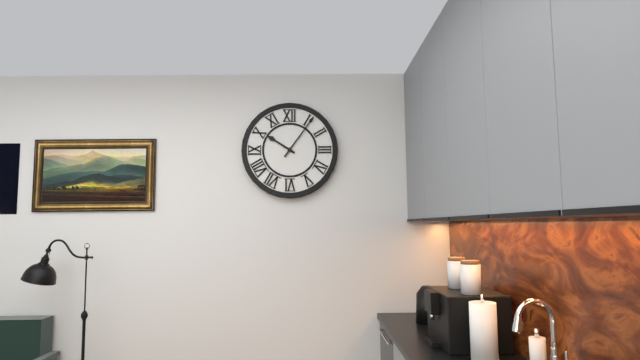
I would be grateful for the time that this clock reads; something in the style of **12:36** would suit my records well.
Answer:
**10:06**
